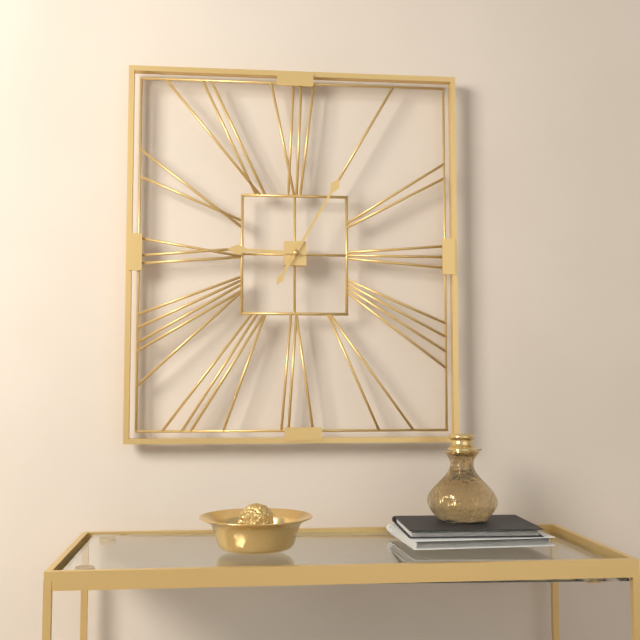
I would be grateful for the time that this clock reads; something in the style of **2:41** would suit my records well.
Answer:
**9:05**
